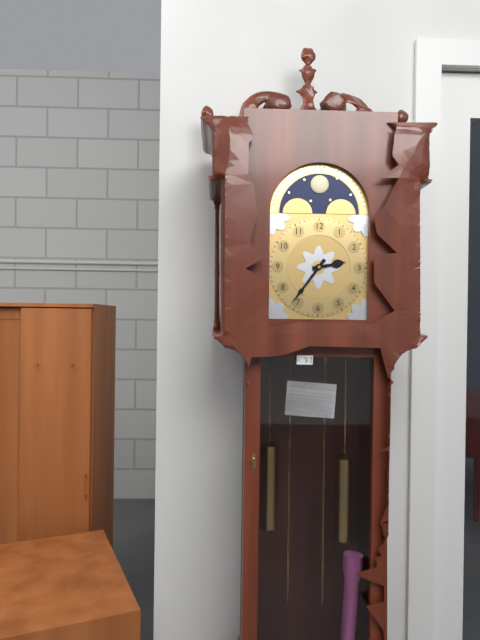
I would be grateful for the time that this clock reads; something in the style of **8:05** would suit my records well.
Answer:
**2:36**
